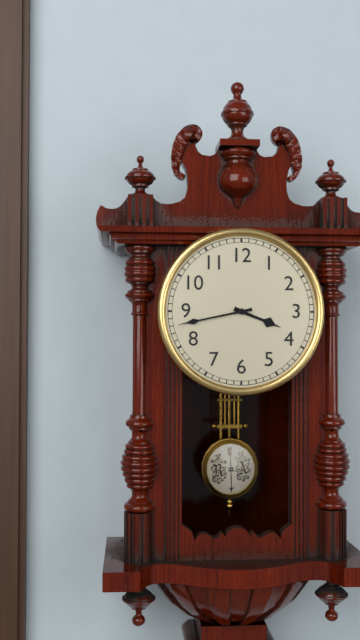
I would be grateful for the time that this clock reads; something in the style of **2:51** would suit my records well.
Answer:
**3:43**
